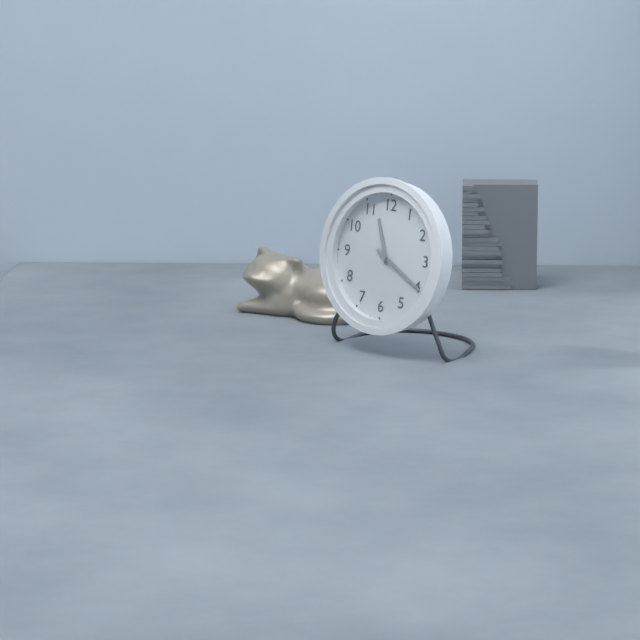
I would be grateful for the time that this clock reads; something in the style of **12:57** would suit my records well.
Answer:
**11:20**
